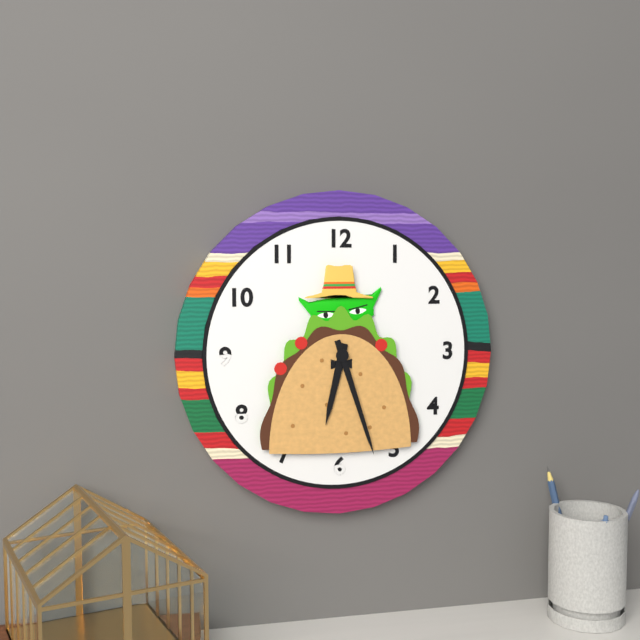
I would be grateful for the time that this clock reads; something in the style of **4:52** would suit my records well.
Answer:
**6:27**
